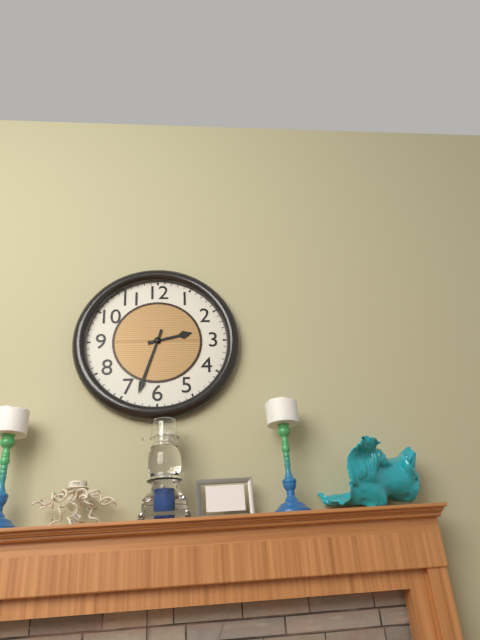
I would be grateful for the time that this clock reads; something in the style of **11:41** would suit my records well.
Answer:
**2:33**
